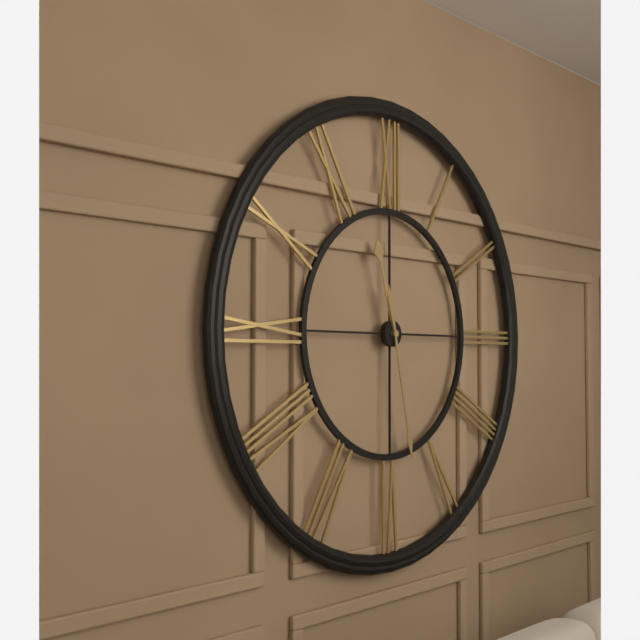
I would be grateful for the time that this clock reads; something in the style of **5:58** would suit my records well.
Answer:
**11:28**
